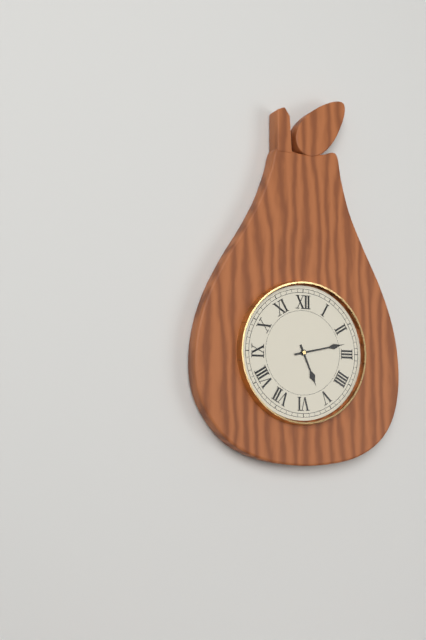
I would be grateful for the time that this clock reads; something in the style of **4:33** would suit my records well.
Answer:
**5:13**
